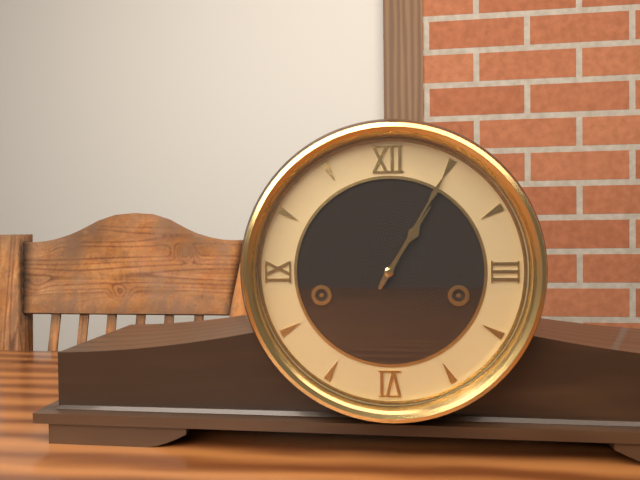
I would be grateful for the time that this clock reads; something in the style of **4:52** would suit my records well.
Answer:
**1:05**
